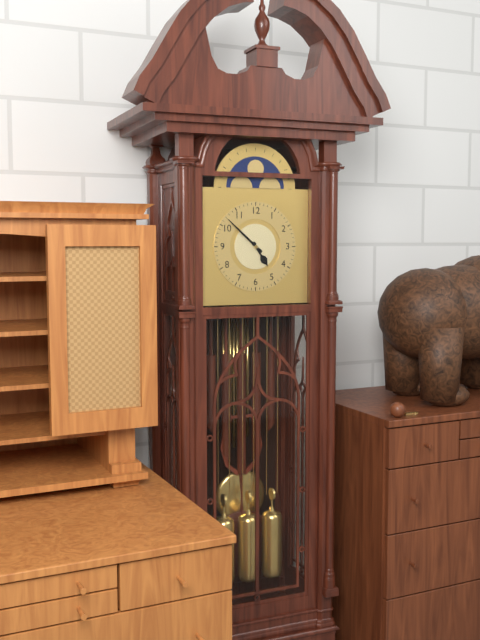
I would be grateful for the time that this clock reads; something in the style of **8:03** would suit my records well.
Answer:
**4:52**
